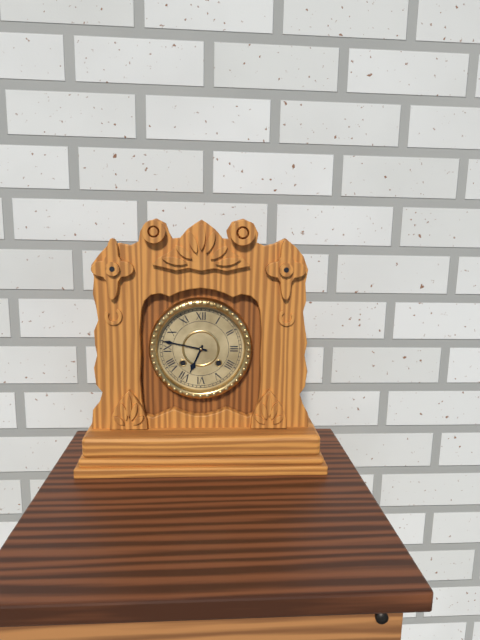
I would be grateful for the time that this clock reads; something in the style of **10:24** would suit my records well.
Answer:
**6:47**
